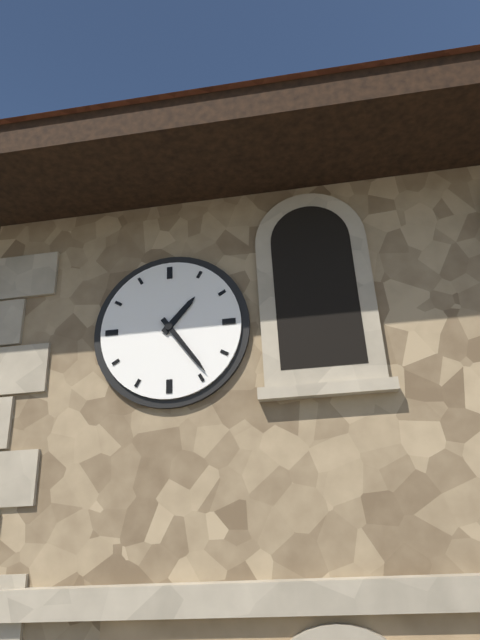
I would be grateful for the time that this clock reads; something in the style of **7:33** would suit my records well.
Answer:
**1:24**
